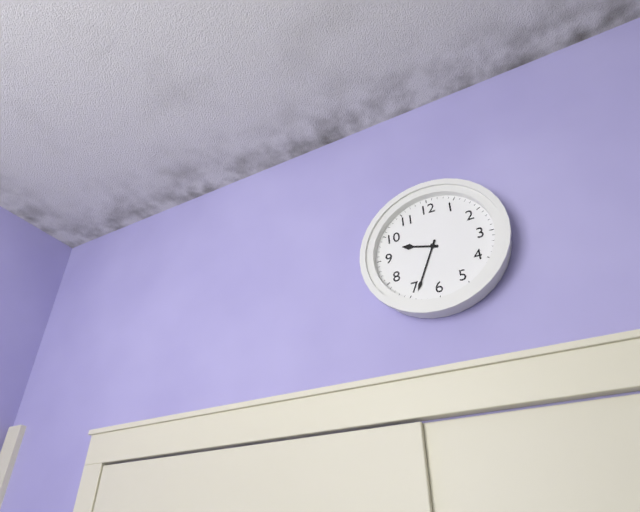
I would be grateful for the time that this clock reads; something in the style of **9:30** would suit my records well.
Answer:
**9:34**
